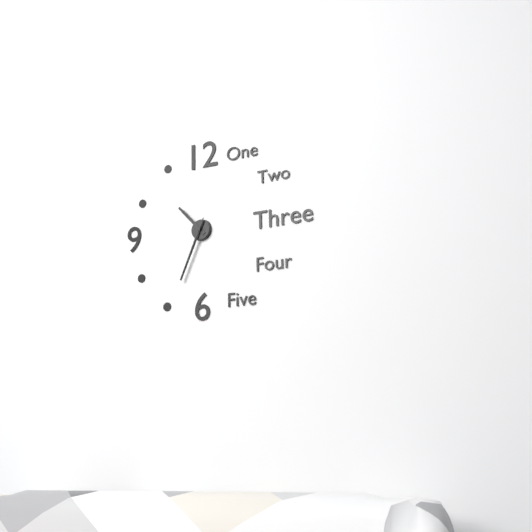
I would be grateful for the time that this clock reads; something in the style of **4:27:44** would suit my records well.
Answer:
**10:34:34**
